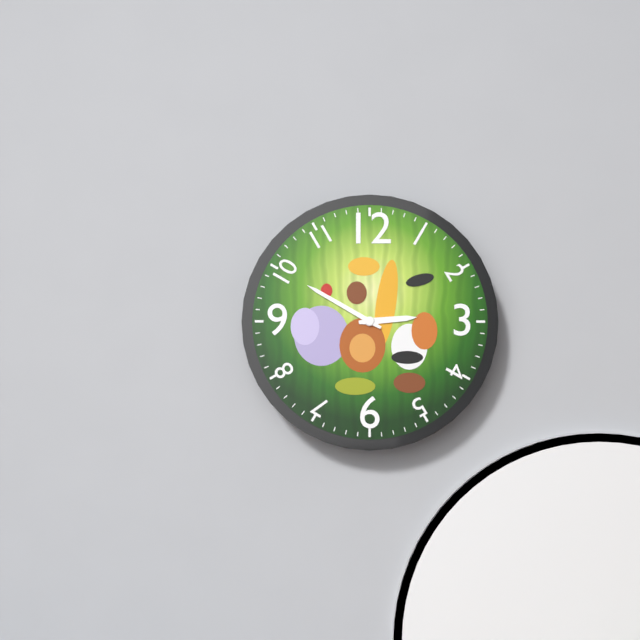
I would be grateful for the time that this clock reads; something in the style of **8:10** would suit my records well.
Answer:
**2:50**
